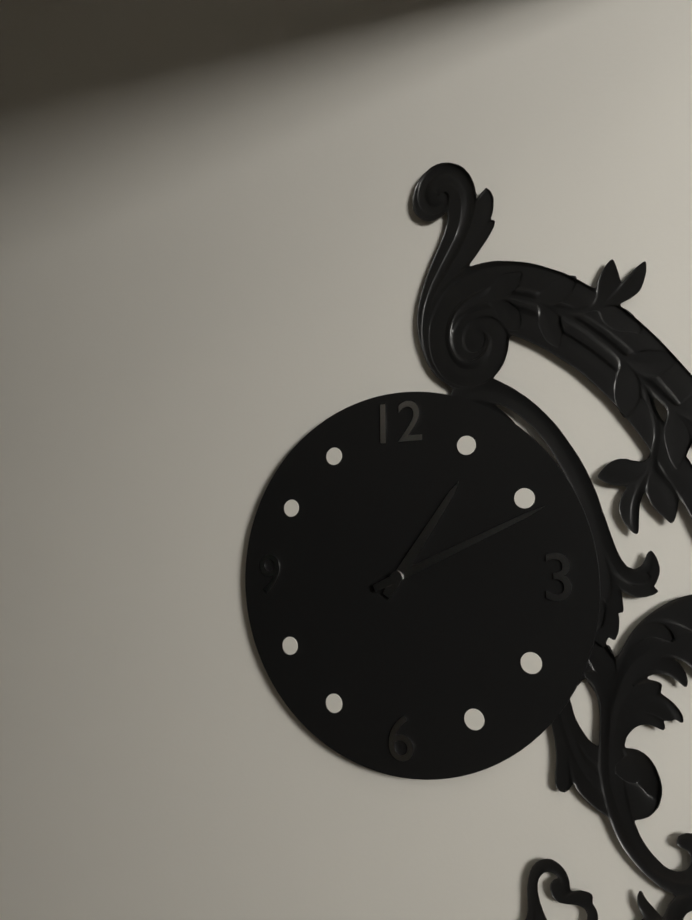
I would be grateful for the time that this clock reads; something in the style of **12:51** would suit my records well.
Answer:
**1:11**
